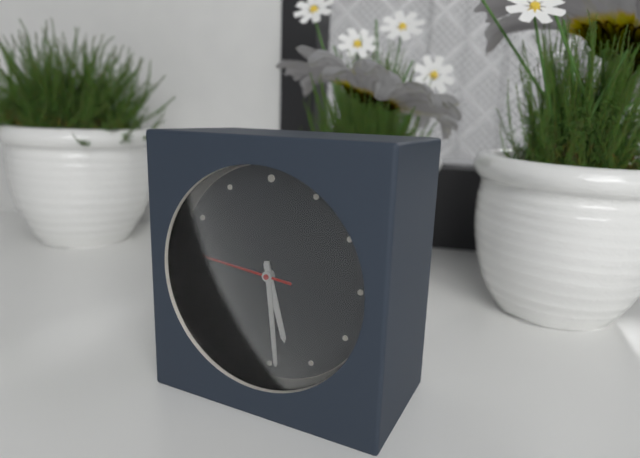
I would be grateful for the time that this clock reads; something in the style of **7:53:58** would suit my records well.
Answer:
**5:29:46**
